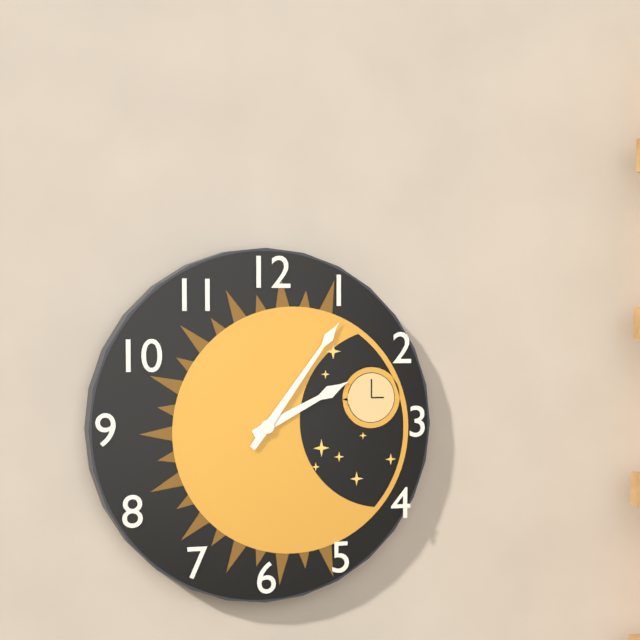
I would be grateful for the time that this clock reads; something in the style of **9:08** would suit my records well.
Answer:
**2:06**
